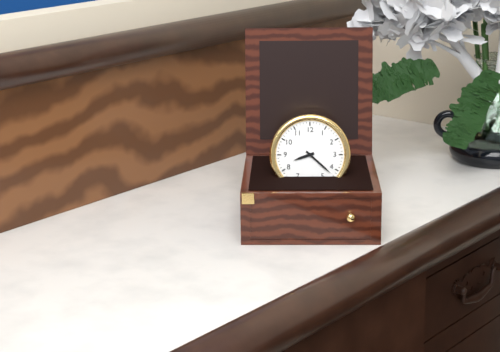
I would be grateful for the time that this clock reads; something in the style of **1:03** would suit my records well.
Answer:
**8:22**
